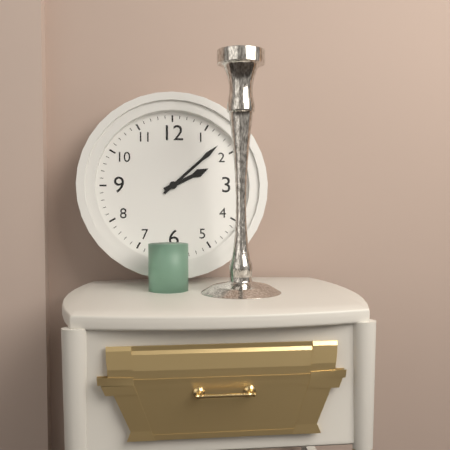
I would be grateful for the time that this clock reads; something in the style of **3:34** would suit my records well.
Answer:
**2:08**
